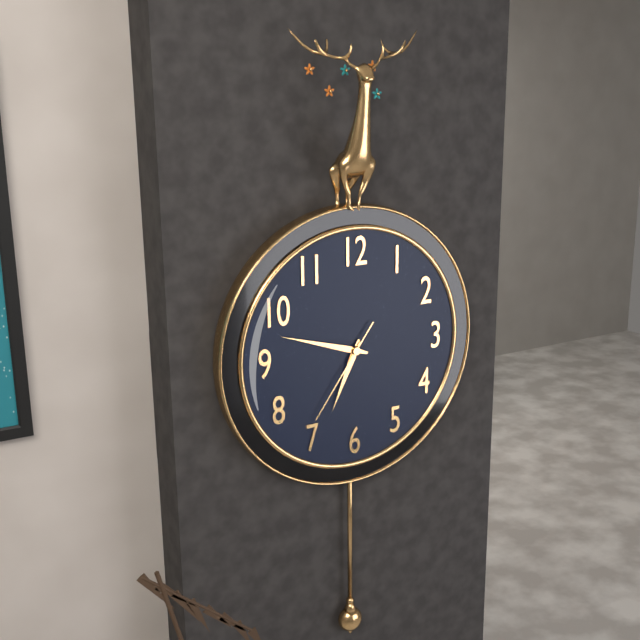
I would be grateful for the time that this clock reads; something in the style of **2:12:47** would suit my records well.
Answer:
**6:48:36**
